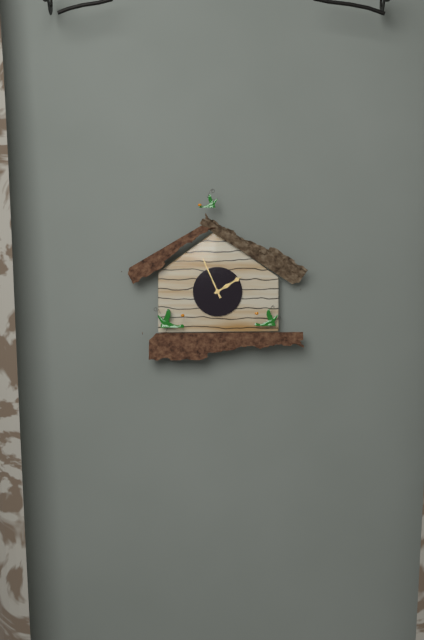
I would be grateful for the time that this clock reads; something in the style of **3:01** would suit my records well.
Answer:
**1:56**
